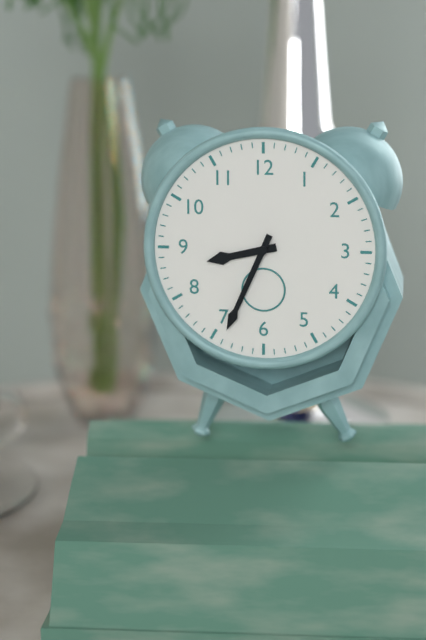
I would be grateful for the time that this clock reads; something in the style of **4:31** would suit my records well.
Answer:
**8:34**
